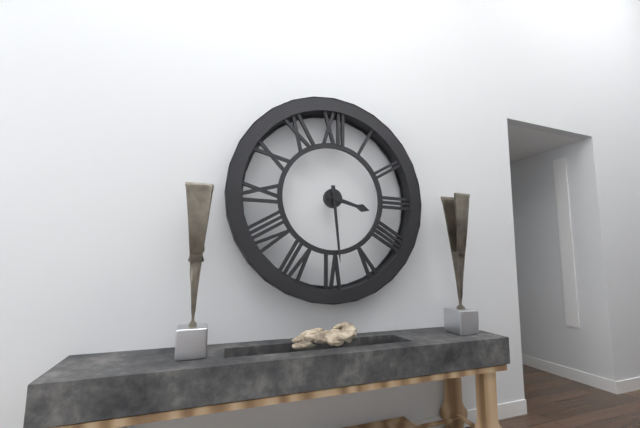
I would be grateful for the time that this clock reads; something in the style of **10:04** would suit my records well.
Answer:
**3:29**
